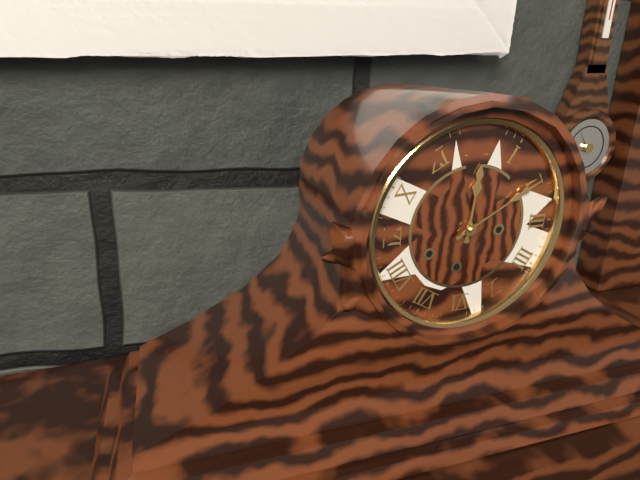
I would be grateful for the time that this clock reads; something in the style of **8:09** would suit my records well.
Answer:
**12:10**
